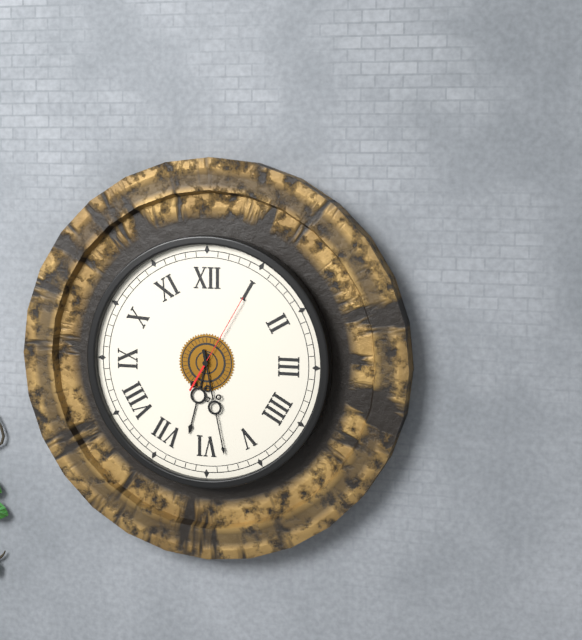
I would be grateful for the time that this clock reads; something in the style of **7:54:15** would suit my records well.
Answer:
**6:28:05**
